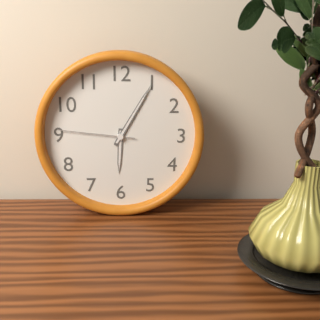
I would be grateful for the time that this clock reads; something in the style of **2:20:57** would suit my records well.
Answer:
**6:05:46**
